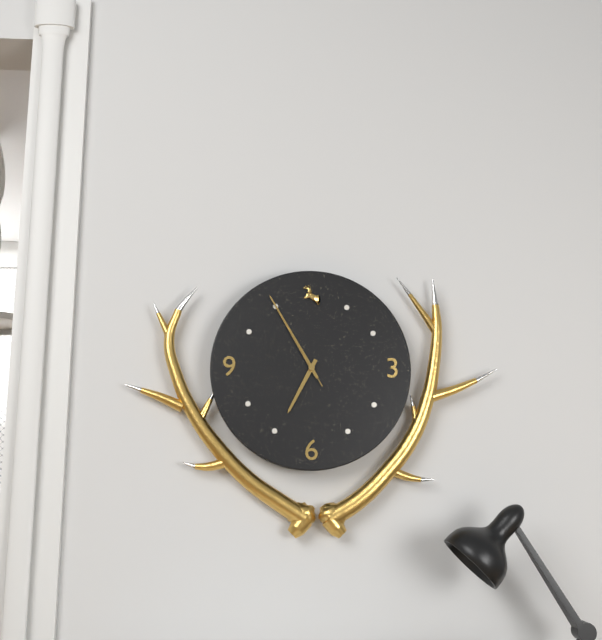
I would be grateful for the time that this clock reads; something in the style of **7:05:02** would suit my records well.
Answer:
**6:55:55**
